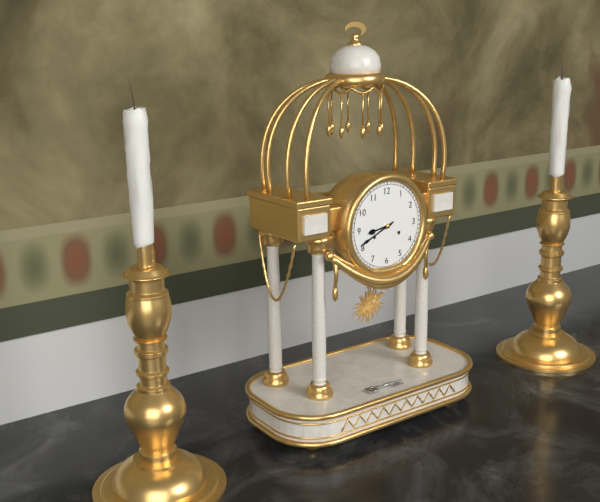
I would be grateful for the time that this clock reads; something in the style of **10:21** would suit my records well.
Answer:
**8:41**
